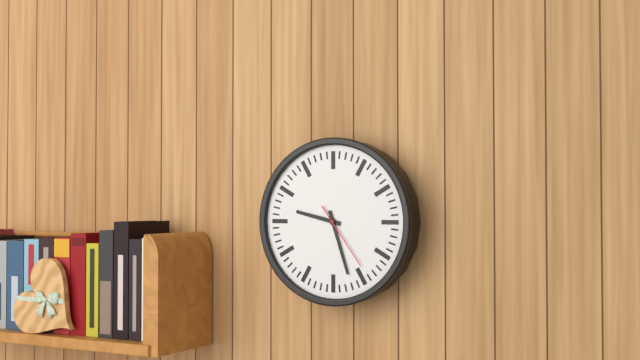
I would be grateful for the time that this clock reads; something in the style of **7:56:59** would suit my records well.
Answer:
**9:27:24**
